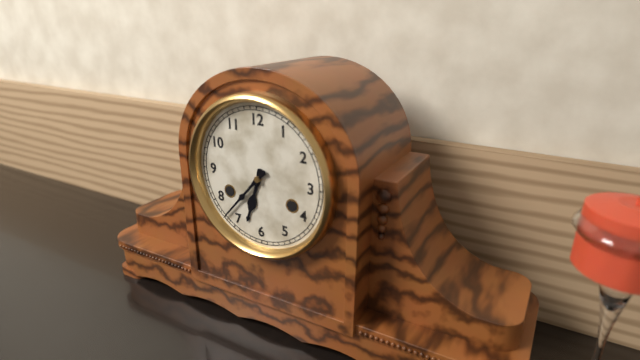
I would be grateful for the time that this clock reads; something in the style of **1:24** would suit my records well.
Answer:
**6:37**
